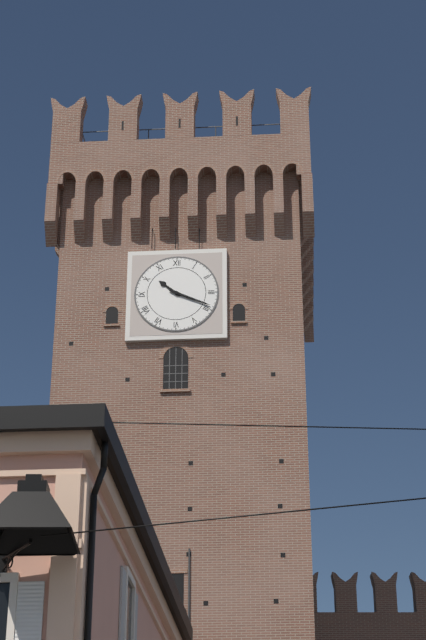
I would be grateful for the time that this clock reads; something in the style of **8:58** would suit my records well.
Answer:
**10:19**
